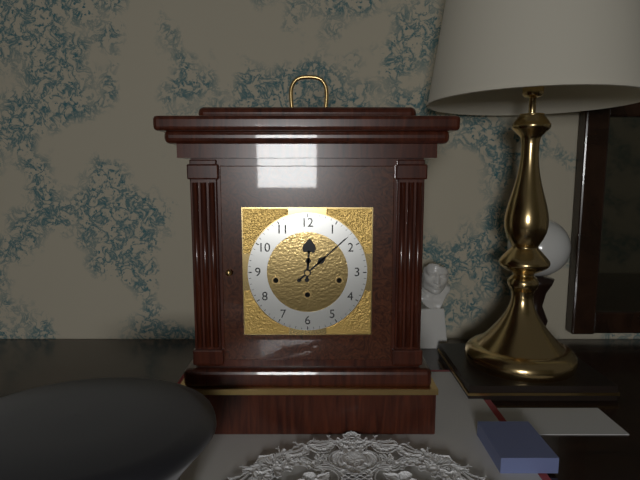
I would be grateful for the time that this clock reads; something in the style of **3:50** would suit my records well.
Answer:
**12:08**
